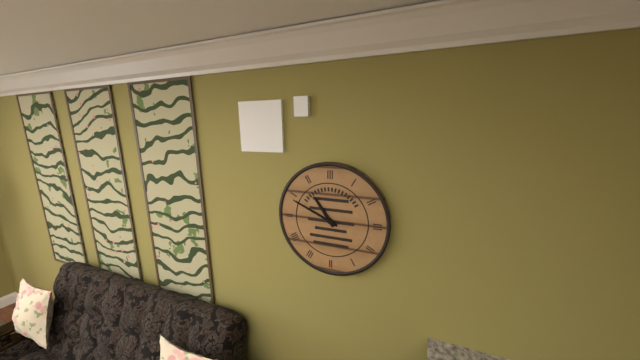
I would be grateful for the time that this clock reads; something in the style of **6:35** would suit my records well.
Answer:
**10:49**
